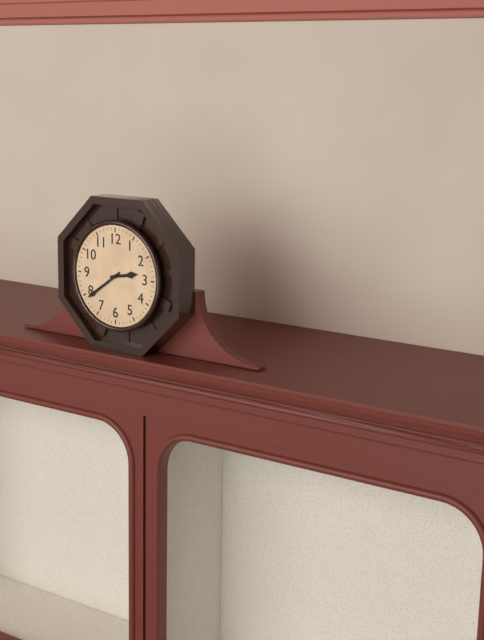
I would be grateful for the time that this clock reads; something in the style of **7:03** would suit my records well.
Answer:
**2:39**
